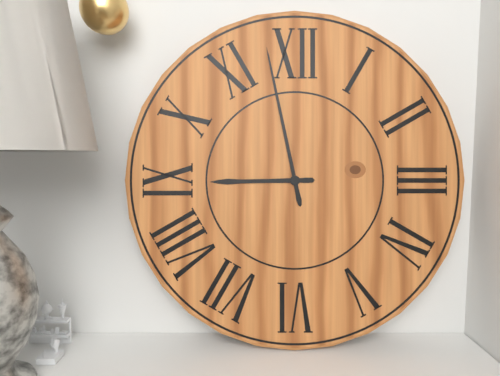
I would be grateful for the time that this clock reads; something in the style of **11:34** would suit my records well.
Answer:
**8:58**
